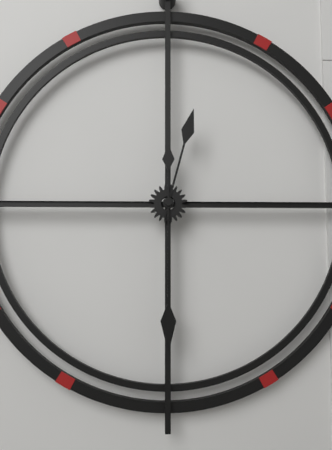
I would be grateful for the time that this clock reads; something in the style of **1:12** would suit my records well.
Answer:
**12:30**
